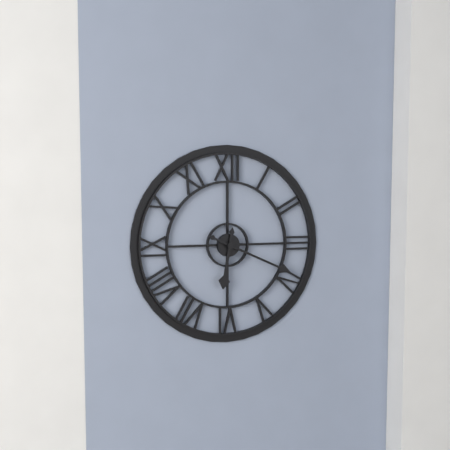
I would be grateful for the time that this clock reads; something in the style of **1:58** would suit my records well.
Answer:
**6:19**
